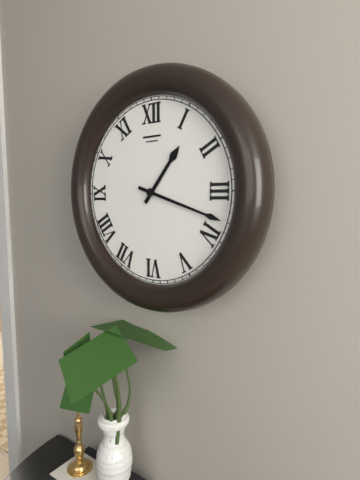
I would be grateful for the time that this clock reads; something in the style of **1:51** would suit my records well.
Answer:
**1:18**
